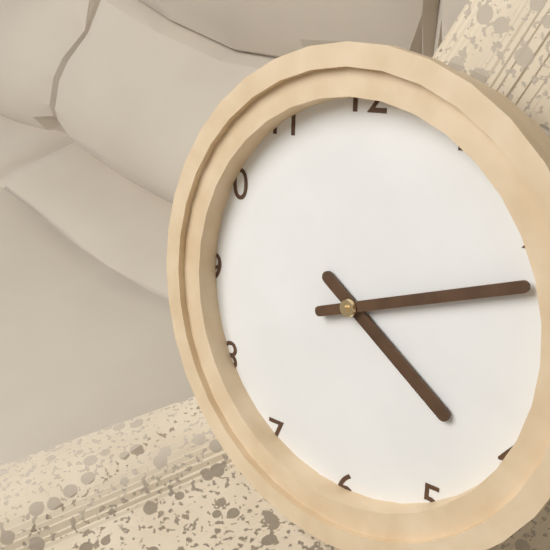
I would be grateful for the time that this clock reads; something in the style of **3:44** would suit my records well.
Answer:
**4:12**
